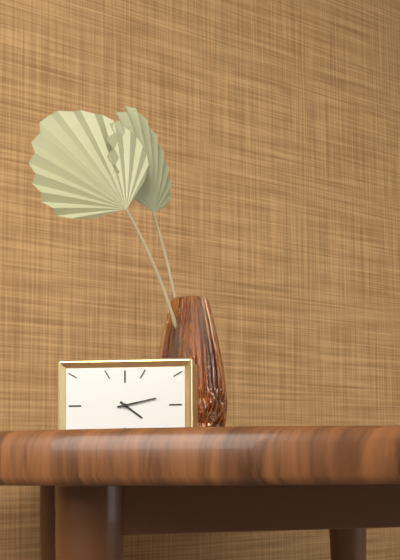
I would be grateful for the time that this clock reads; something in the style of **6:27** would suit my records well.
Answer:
**4:13**
